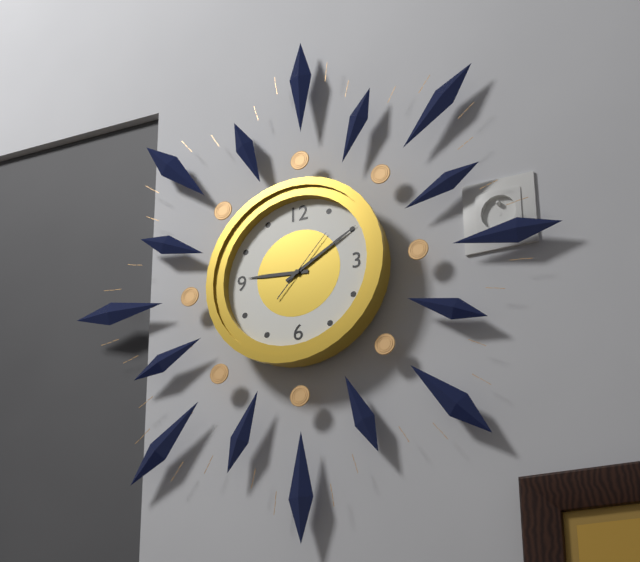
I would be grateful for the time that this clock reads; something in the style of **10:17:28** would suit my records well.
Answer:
**9:10:07**
